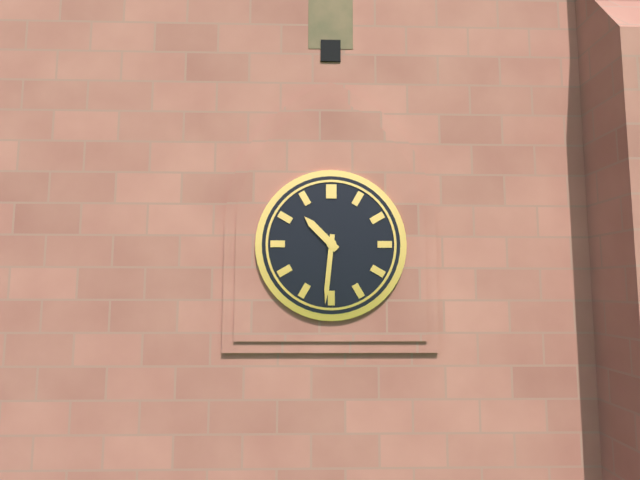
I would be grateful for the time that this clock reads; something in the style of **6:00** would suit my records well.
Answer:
**10:31**
